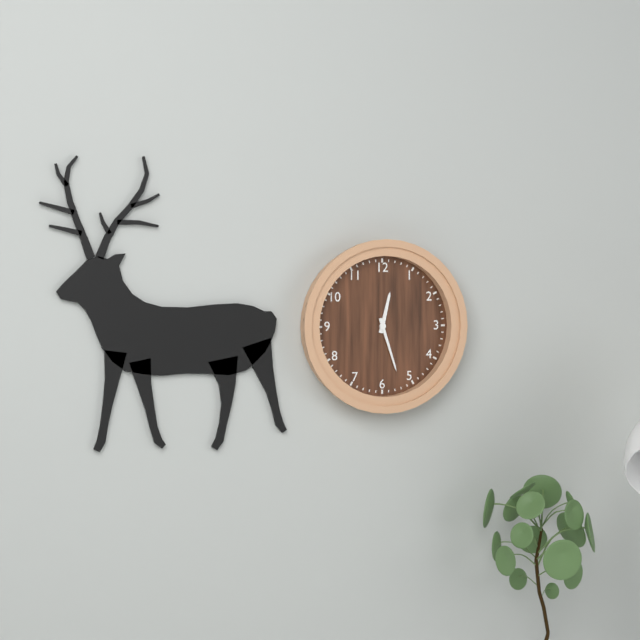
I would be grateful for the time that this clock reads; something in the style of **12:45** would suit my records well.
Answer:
**12:27**
